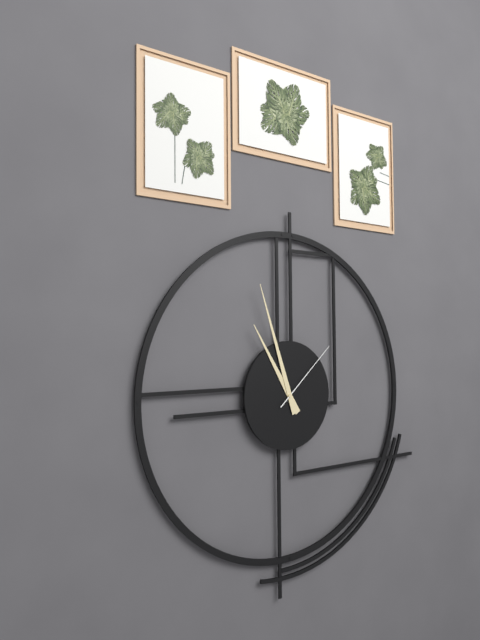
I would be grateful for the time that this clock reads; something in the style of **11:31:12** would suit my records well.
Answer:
**10:57:08**
